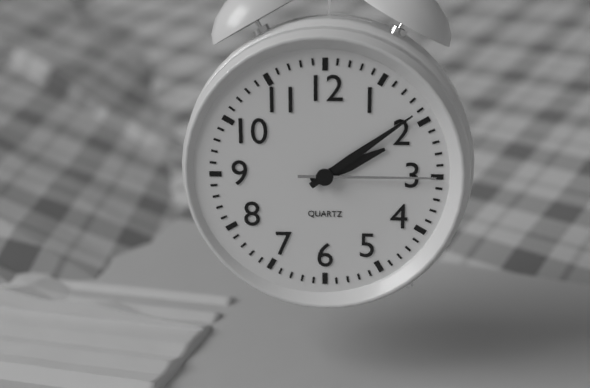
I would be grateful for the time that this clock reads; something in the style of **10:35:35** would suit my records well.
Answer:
**2:09:15**
